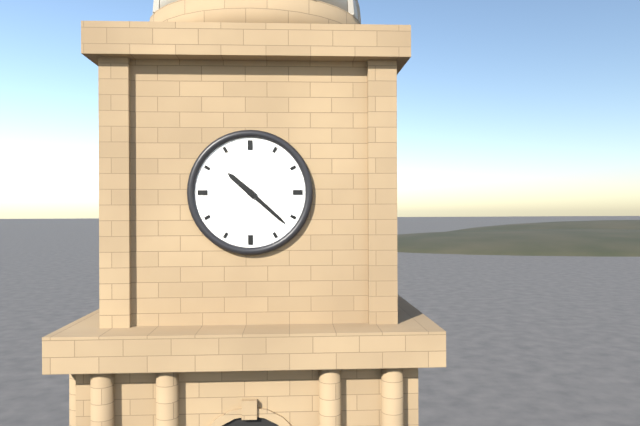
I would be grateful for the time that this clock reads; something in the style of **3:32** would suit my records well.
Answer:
**10:22**
